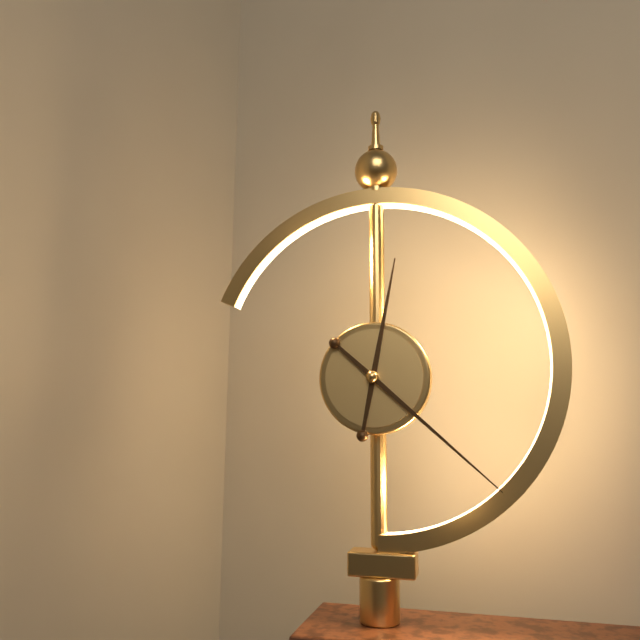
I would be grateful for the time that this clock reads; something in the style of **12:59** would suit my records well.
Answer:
**12:22**
